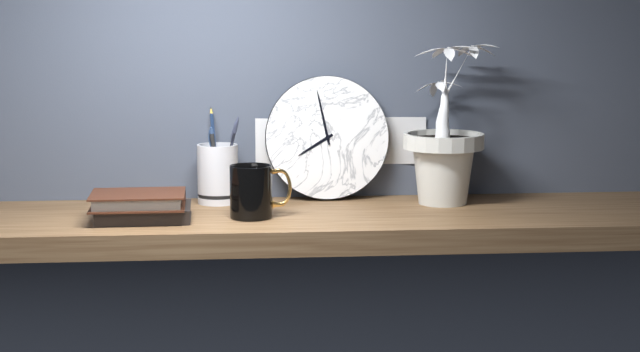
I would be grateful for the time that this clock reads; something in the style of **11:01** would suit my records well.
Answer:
**7:58**
